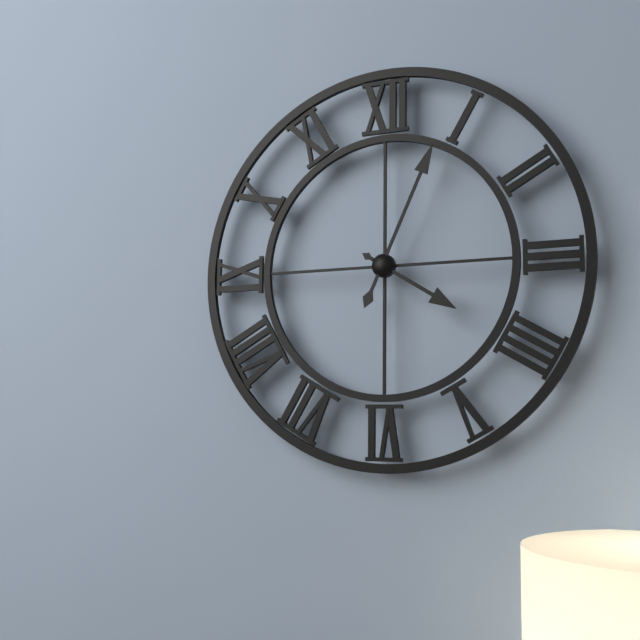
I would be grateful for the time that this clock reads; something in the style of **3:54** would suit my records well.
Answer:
**4:04**
